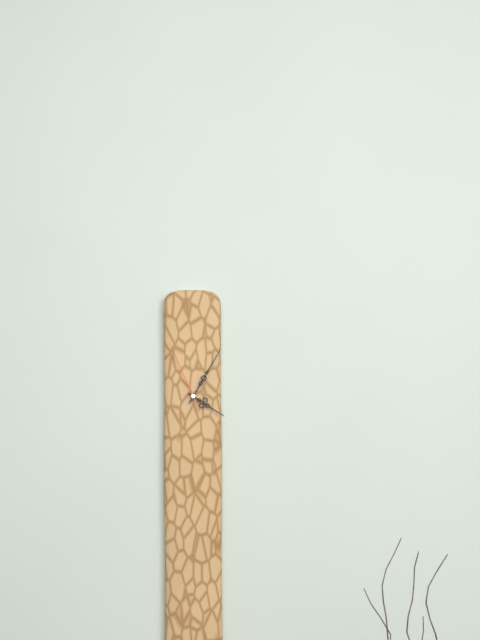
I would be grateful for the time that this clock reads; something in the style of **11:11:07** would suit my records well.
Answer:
**4:05:56**
